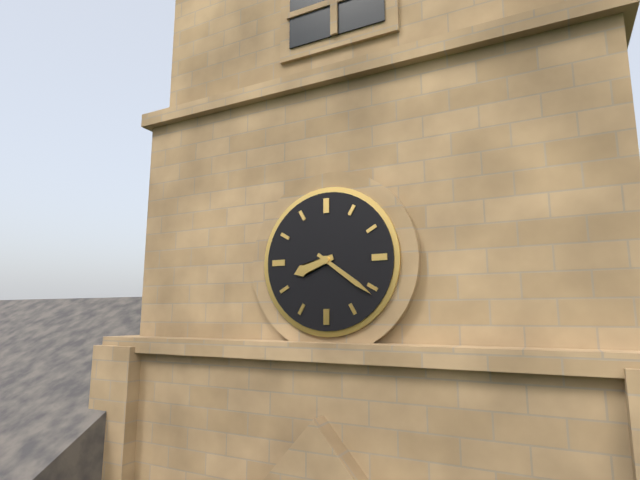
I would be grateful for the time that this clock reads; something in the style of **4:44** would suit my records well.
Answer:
**8:21**
